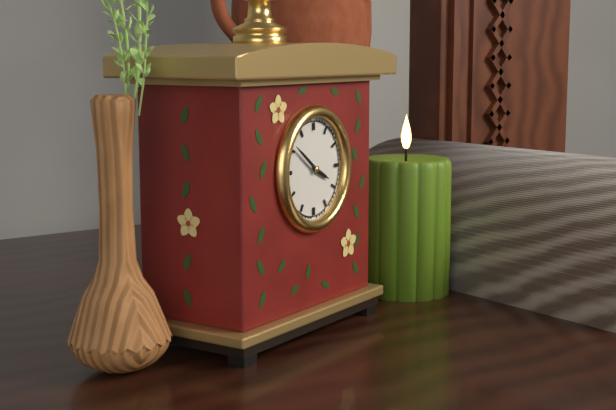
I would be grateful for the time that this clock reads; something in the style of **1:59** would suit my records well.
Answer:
**3:51**
